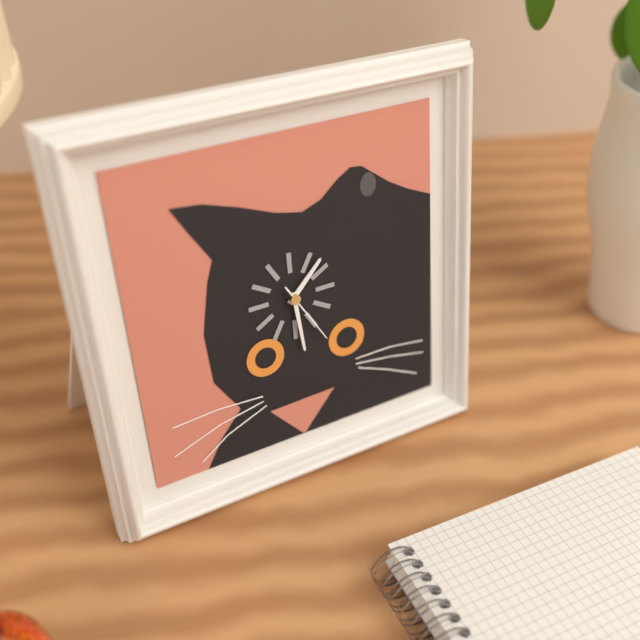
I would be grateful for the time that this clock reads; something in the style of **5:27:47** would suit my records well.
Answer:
**1:29:25**
